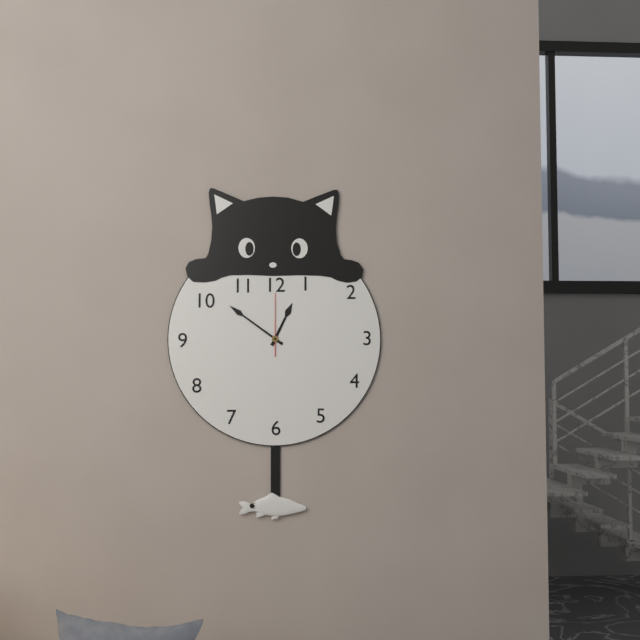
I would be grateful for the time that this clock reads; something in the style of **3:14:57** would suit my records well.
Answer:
**12:51:00**
